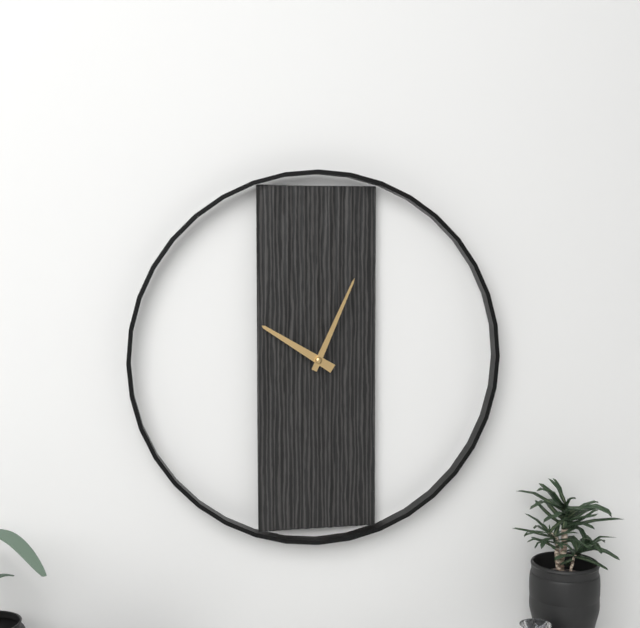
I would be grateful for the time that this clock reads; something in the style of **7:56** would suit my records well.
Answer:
**10:04**
